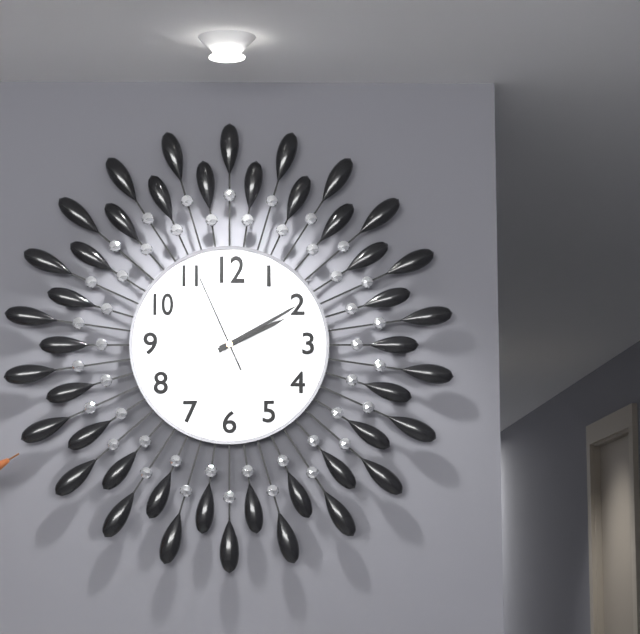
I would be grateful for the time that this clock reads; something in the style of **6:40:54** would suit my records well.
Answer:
**2:10:56**
